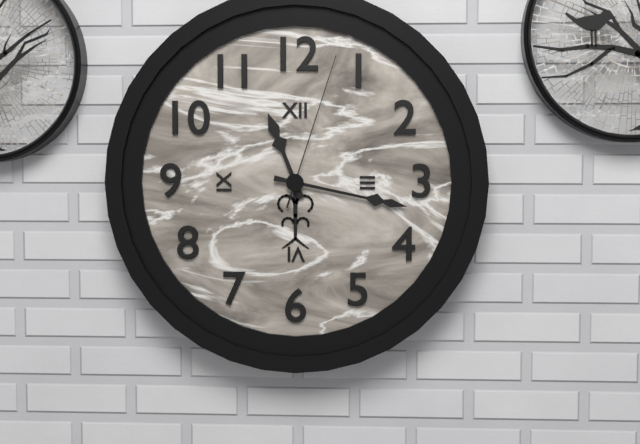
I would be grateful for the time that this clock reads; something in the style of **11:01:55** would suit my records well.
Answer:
**11:17:03**
